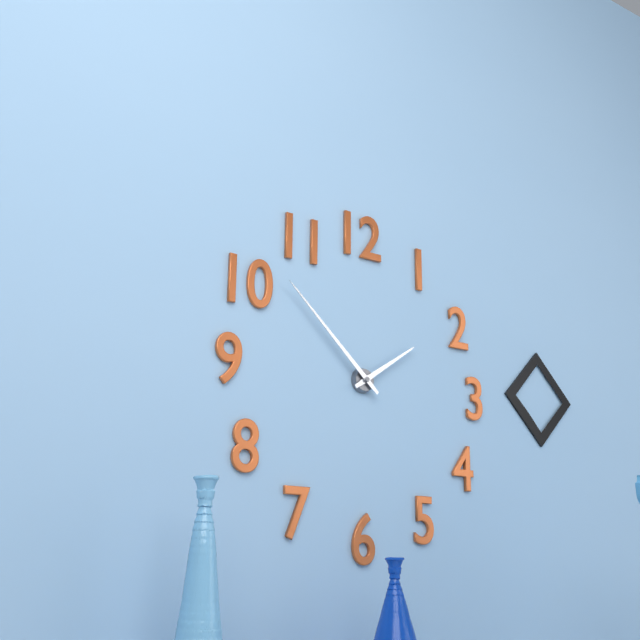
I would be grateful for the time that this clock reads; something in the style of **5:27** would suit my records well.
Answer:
**1:52**
